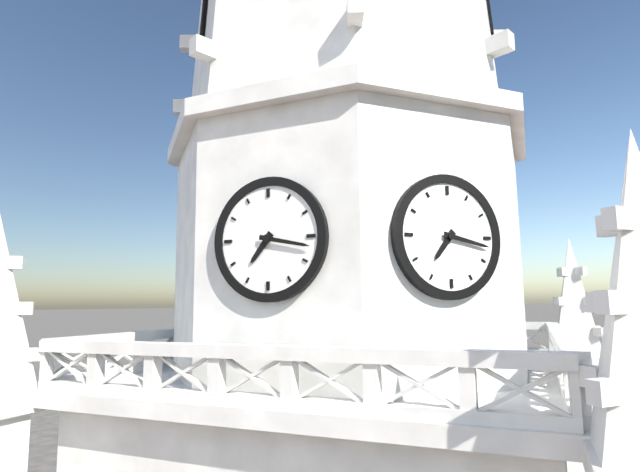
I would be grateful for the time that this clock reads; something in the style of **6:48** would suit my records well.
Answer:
**7:17**
